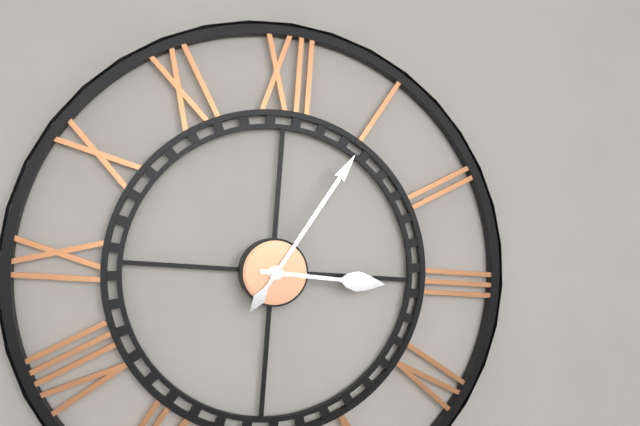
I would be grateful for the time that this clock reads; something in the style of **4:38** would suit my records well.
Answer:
**3:05**
